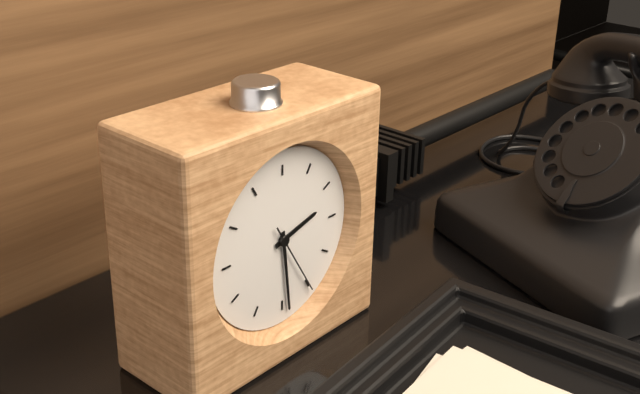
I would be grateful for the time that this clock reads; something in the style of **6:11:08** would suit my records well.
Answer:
**2:29:25**
